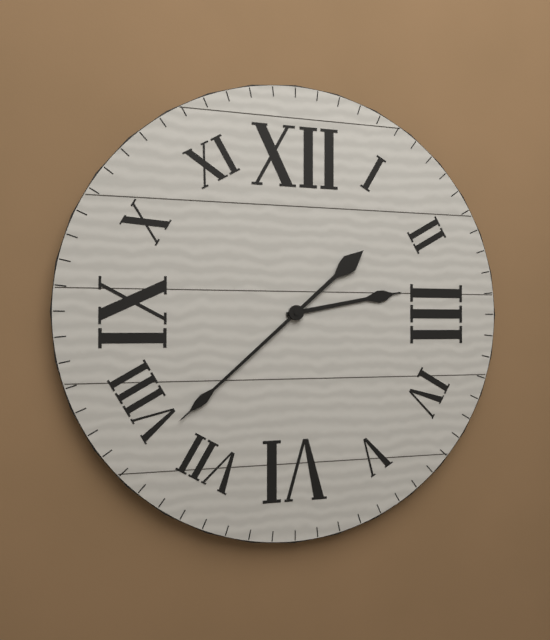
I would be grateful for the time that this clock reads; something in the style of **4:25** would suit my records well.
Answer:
**2:38**
